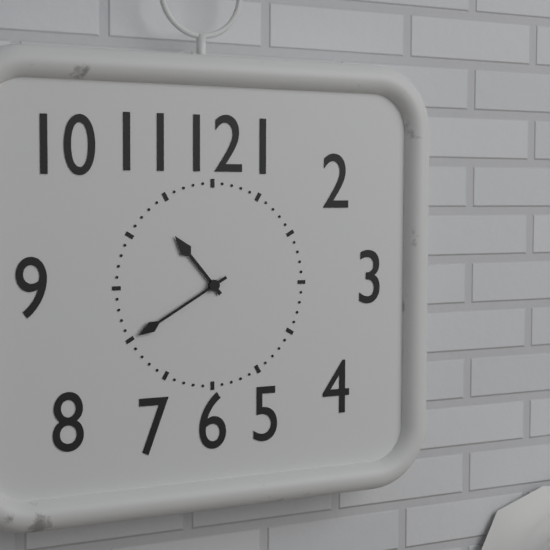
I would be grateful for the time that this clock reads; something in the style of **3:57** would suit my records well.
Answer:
**10:40**
